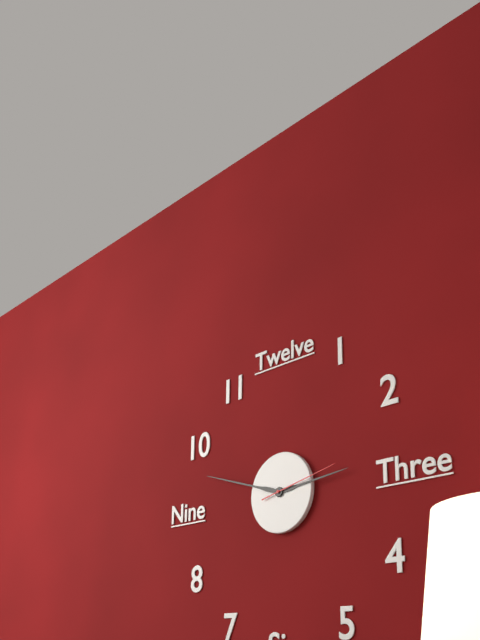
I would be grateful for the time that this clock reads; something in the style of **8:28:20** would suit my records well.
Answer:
**2:48:13**
